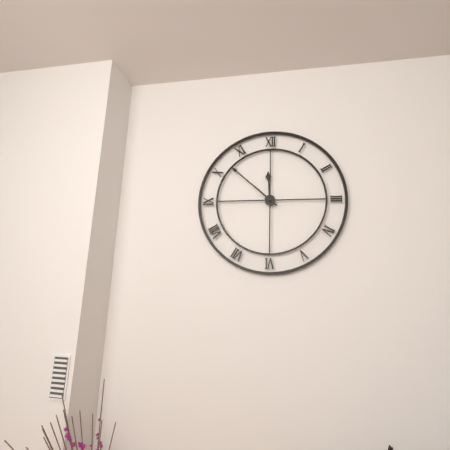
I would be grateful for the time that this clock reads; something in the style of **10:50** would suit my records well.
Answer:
**11:52**
